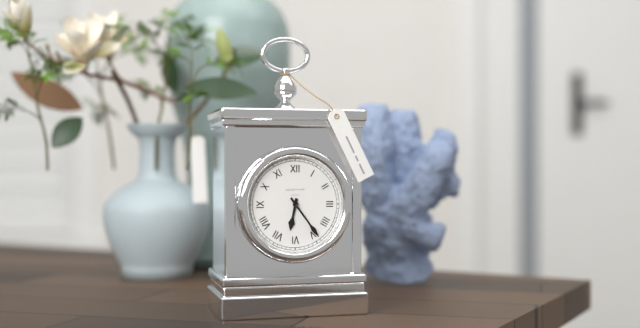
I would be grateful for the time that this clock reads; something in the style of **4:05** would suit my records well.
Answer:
**6:24**
